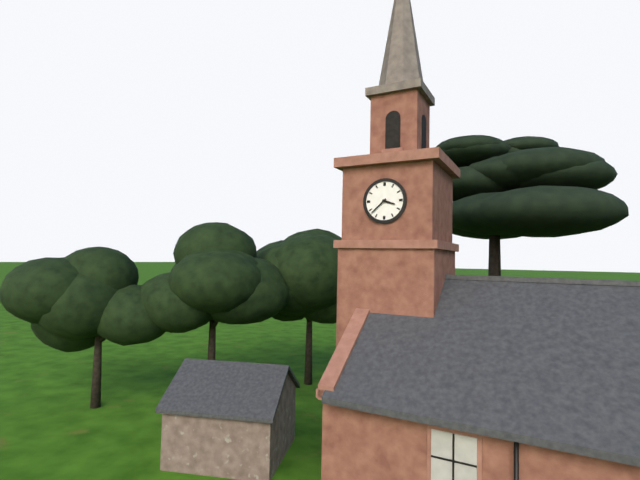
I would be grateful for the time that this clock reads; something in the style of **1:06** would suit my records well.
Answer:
**3:38**
